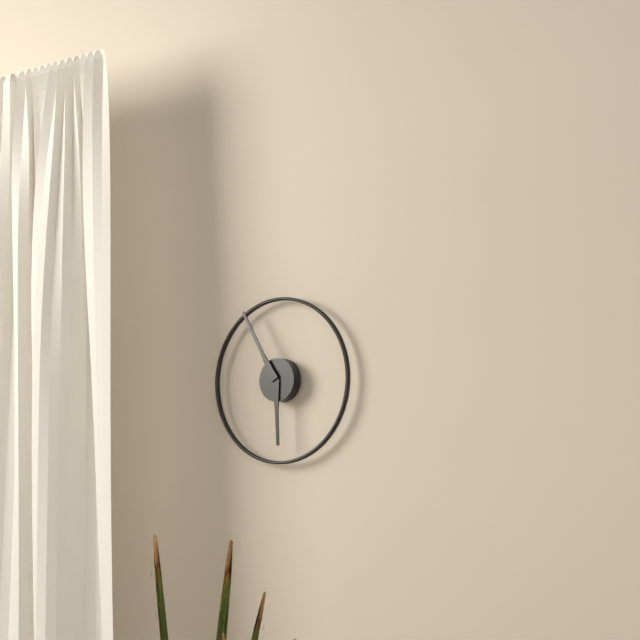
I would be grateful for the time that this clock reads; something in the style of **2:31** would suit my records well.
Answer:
**5:55**
